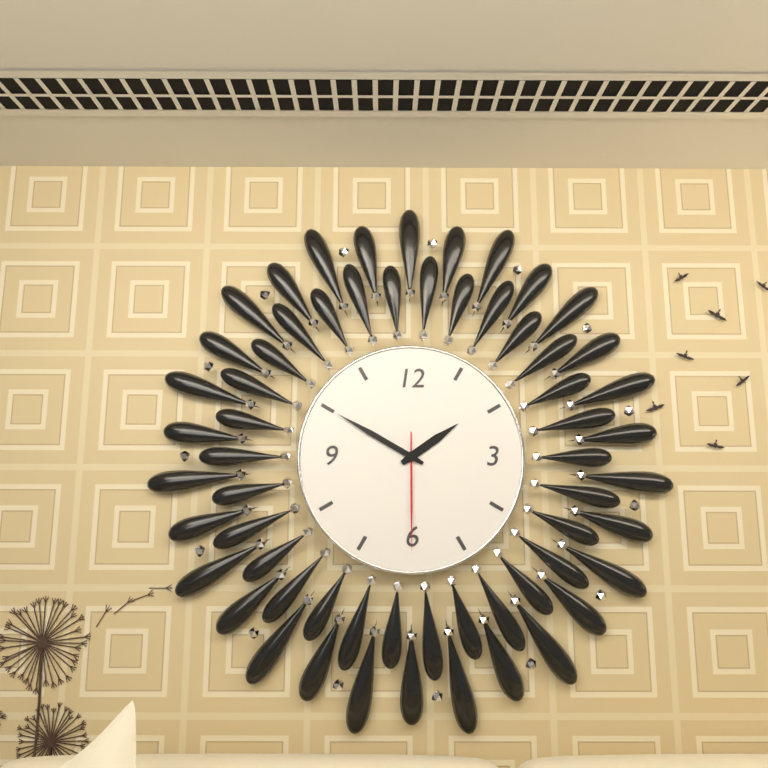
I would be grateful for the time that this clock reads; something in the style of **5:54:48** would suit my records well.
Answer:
**1:50:30**
